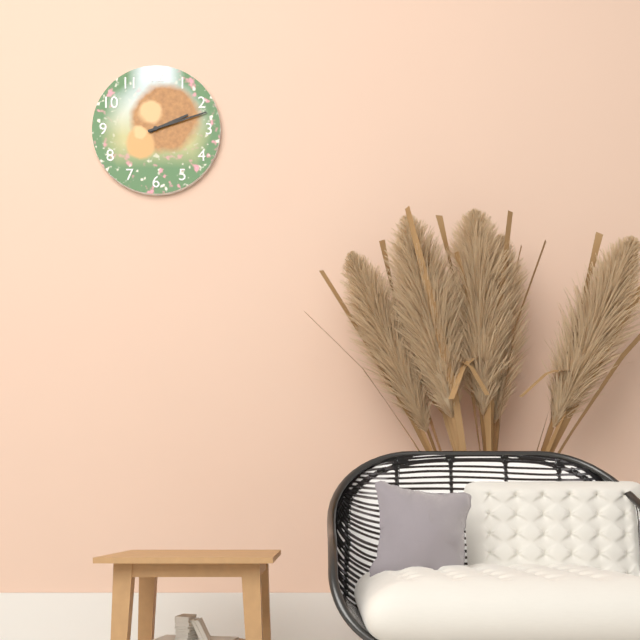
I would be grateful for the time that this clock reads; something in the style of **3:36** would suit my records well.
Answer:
**2:12**
